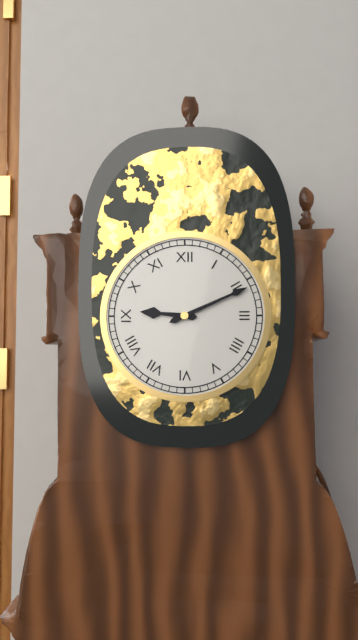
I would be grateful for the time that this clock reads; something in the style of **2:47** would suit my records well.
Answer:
**9:11**
